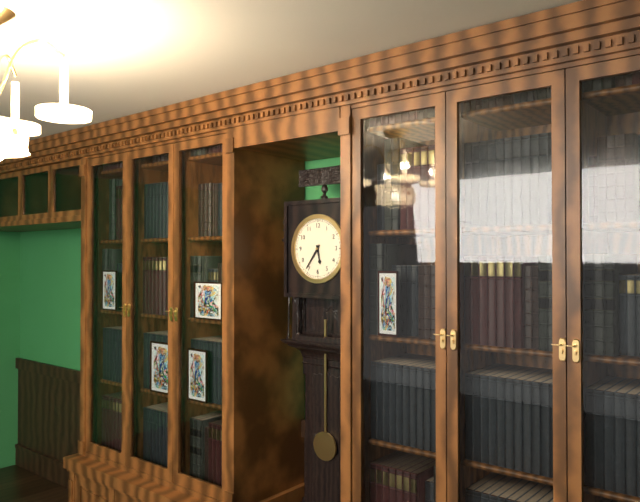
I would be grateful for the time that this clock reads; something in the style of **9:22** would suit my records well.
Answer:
**5:36**
